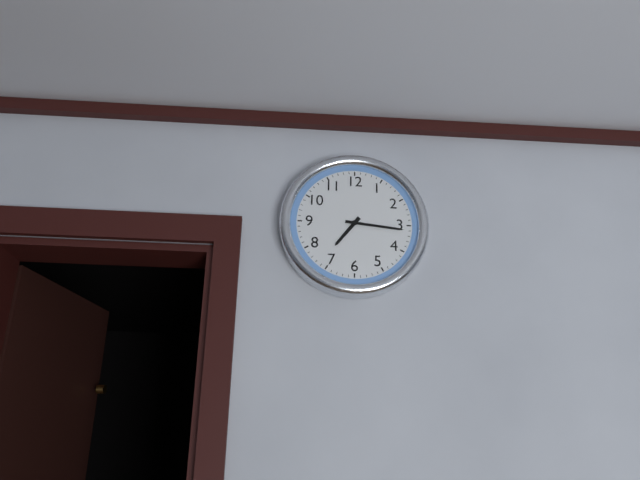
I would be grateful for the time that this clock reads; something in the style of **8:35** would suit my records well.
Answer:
**7:16**
